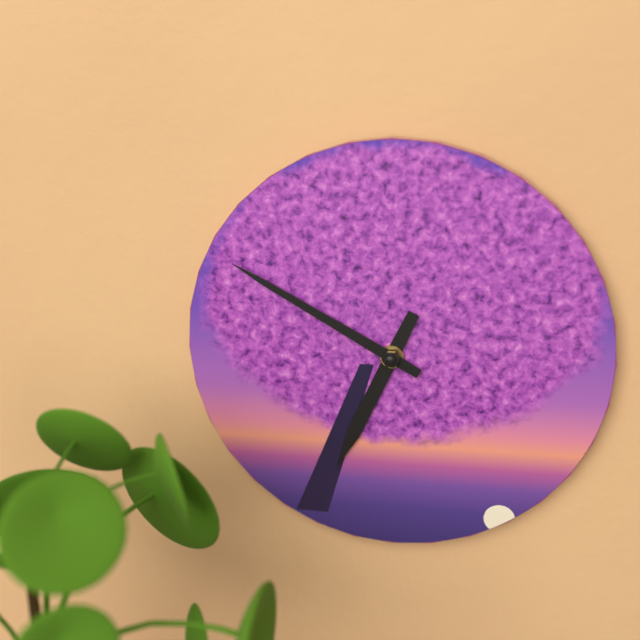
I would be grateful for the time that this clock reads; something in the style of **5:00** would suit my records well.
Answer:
**6:50**
